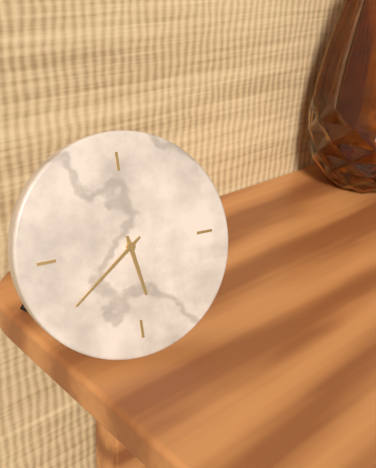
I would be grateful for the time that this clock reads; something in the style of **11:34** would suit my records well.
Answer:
**5:39**
